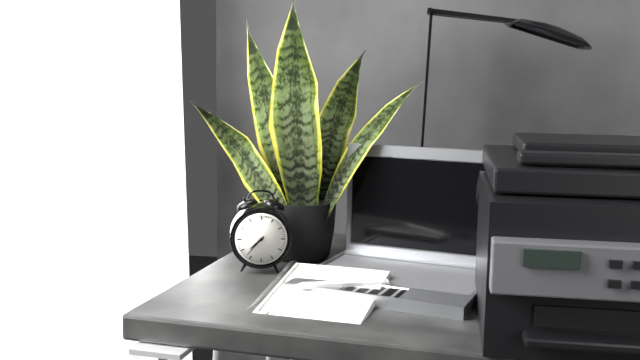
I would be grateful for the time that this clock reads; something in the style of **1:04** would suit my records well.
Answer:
**7:37**
